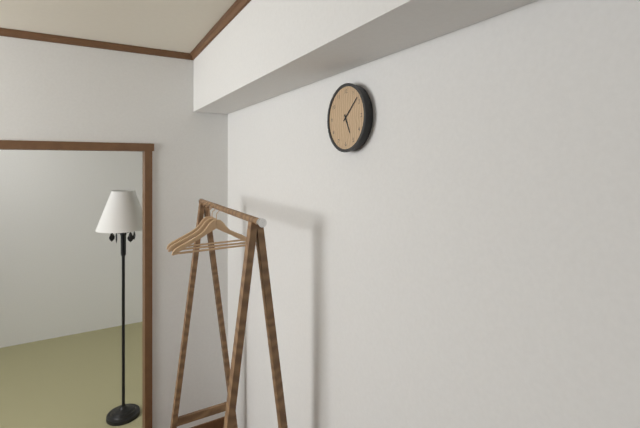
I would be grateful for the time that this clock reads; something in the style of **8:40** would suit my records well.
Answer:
**5:08**
